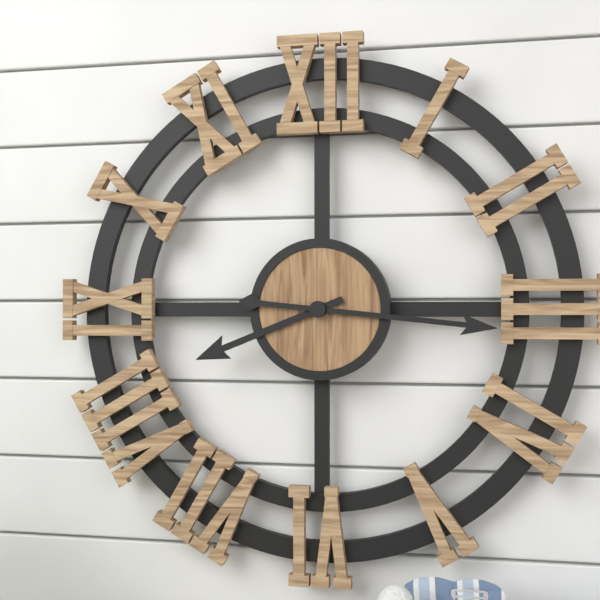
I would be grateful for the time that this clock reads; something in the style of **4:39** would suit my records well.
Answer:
**8:16**
